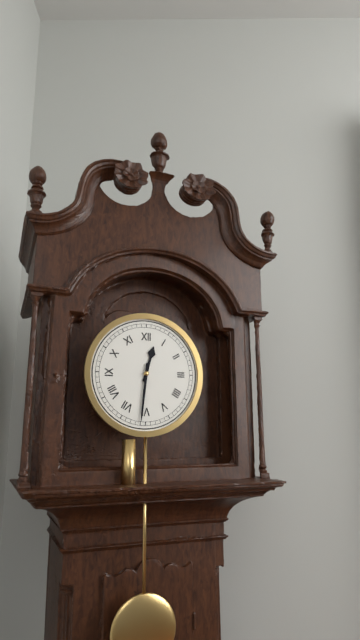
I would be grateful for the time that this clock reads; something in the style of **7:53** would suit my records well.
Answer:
**12:31**
